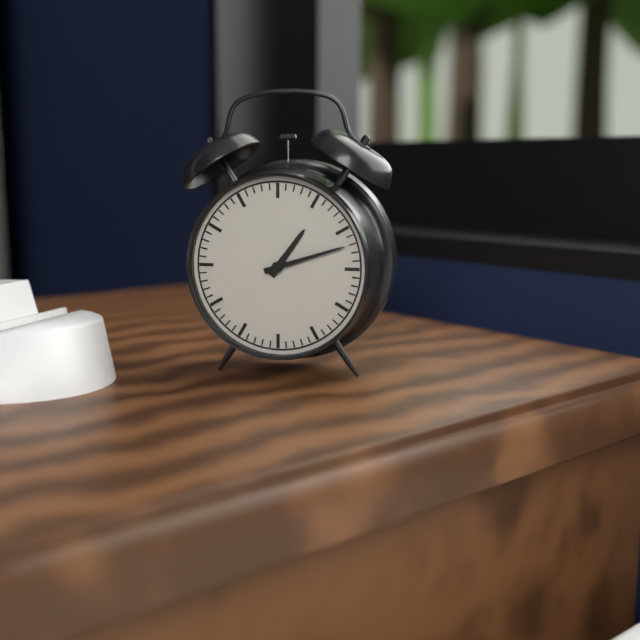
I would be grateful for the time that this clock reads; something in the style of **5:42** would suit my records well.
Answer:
**1:12**
